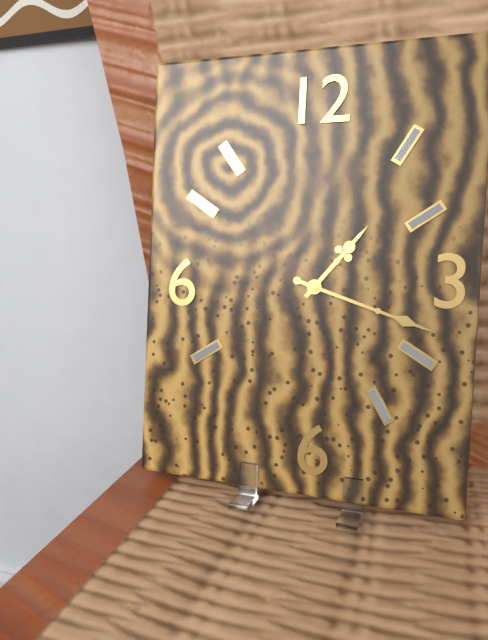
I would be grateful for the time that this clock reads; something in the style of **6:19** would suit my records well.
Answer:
**1:18**
